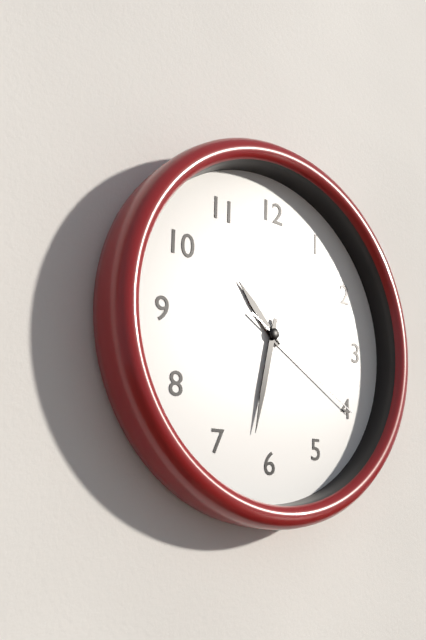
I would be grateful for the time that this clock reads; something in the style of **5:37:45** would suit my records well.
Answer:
**10:32:20**
